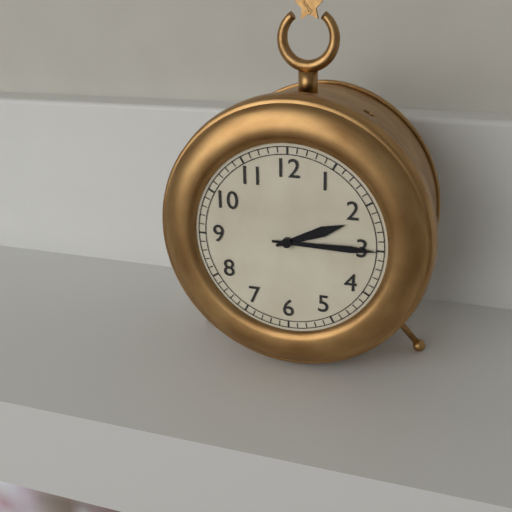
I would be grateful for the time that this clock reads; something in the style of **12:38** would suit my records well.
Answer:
**2:15**
